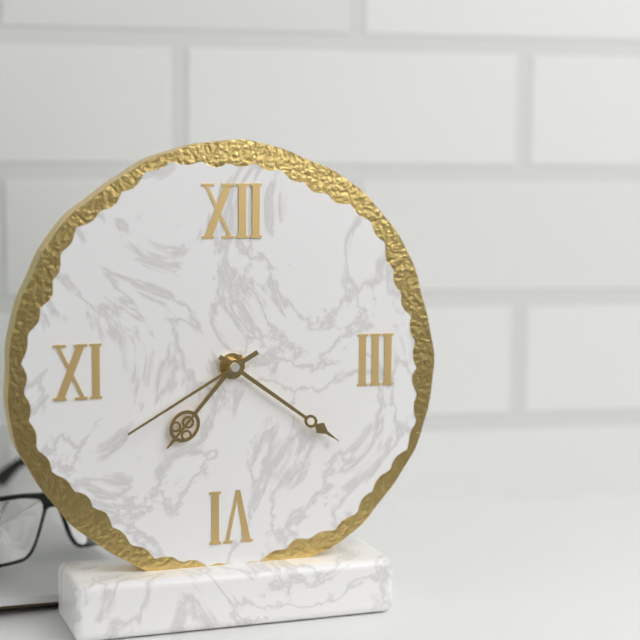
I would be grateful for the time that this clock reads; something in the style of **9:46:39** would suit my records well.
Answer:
**7:21:40**
